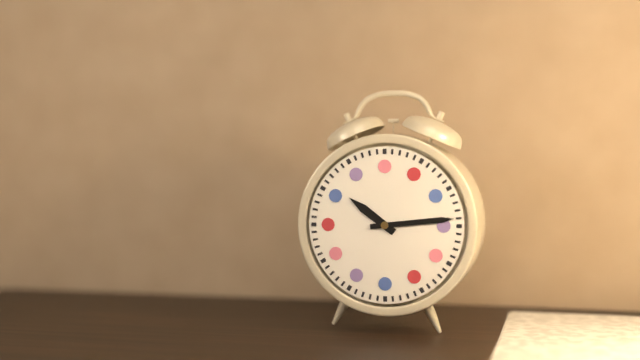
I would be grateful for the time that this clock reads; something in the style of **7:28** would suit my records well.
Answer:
**10:14**
